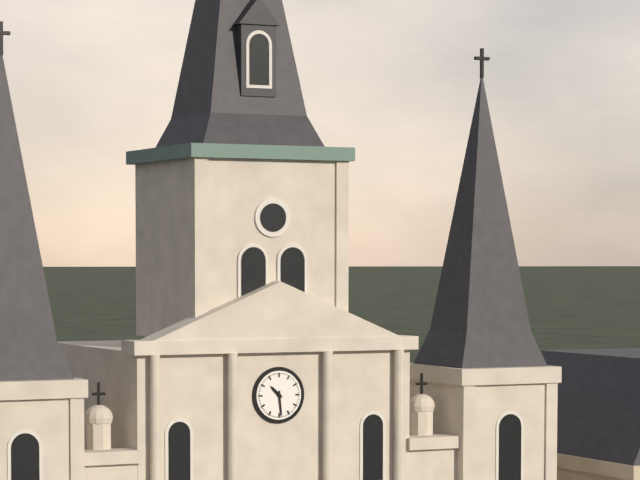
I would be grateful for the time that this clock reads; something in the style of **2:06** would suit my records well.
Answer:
**10:29**
